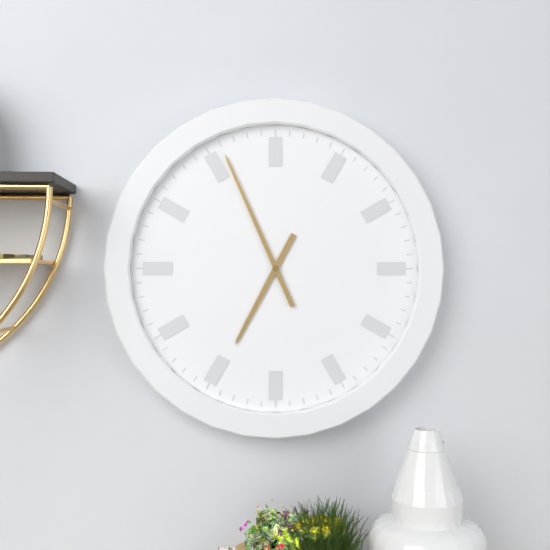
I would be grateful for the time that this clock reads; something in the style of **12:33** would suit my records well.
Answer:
**6:56**
